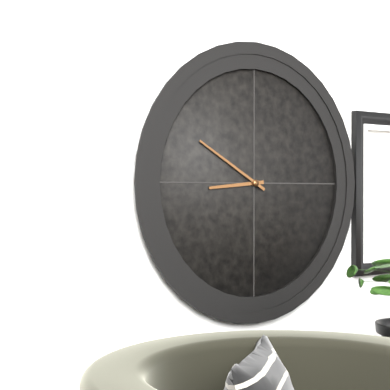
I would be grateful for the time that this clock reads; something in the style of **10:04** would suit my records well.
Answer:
**8:50**
